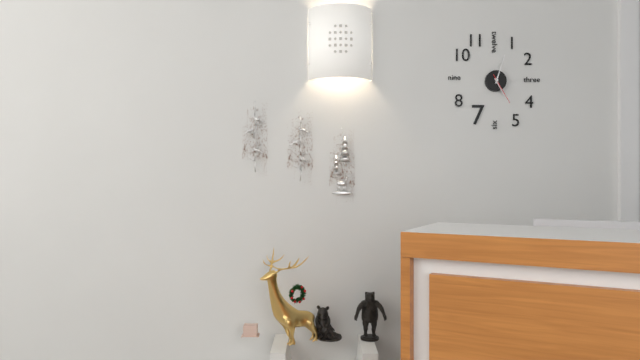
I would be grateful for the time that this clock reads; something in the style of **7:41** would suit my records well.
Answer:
**5:03**
